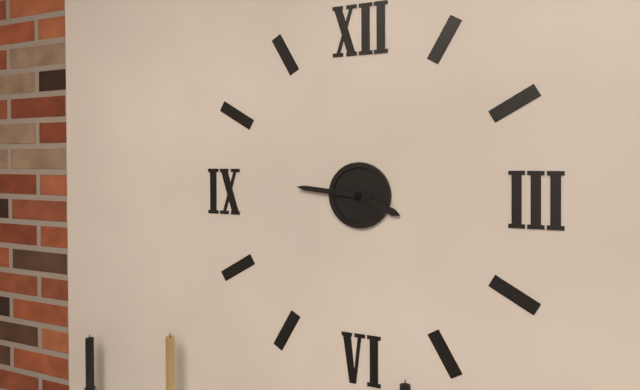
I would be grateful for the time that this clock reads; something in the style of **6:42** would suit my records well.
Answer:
**3:46**
